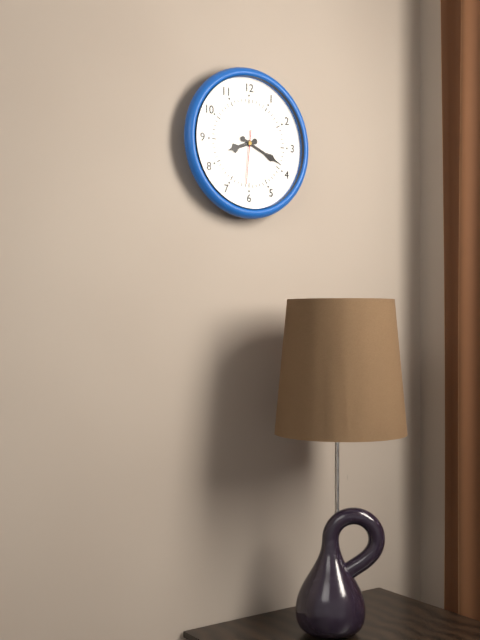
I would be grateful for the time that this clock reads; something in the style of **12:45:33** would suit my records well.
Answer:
**8:19:31**
